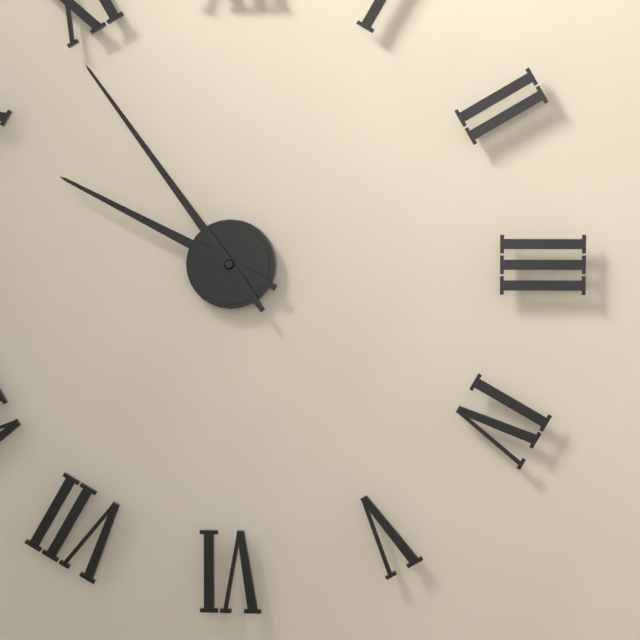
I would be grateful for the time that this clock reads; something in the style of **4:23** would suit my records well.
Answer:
**9:54**
